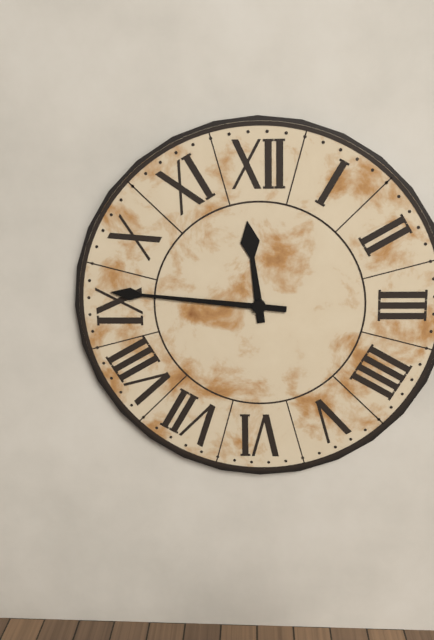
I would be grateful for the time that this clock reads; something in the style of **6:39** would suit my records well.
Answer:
**11:46**
